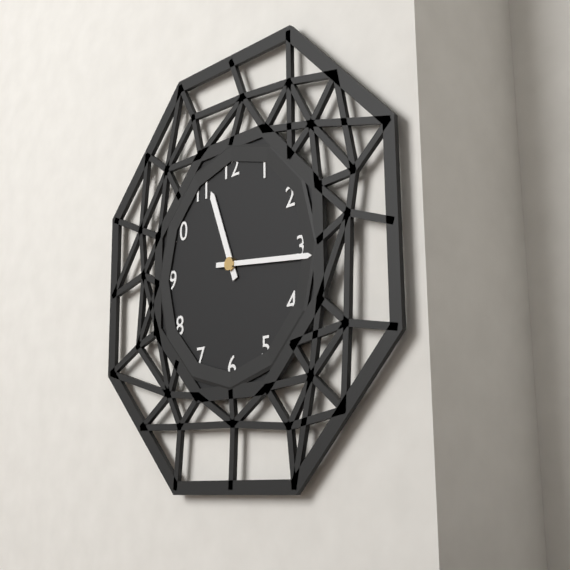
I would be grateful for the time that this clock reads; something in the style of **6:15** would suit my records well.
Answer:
**11:16**
